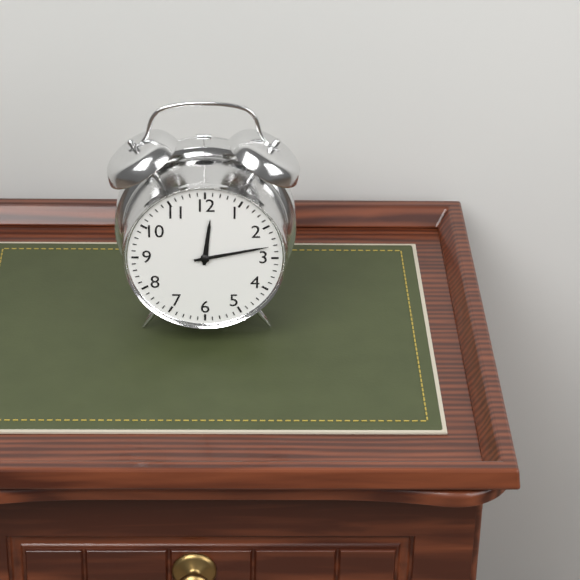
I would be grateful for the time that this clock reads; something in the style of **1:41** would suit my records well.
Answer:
**12:13**
